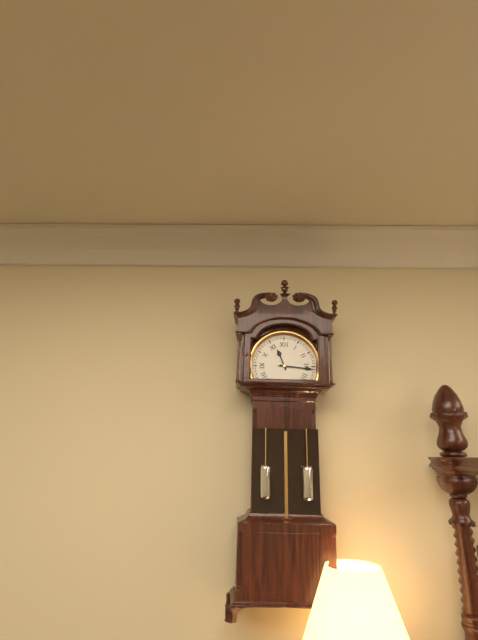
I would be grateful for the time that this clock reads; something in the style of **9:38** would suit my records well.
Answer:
**11:16**
